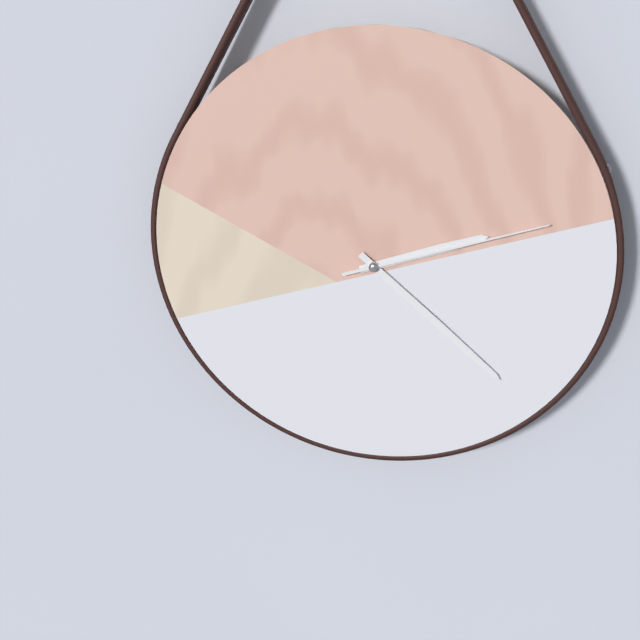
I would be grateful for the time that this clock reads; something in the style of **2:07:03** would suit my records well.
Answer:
**2:22:12**
